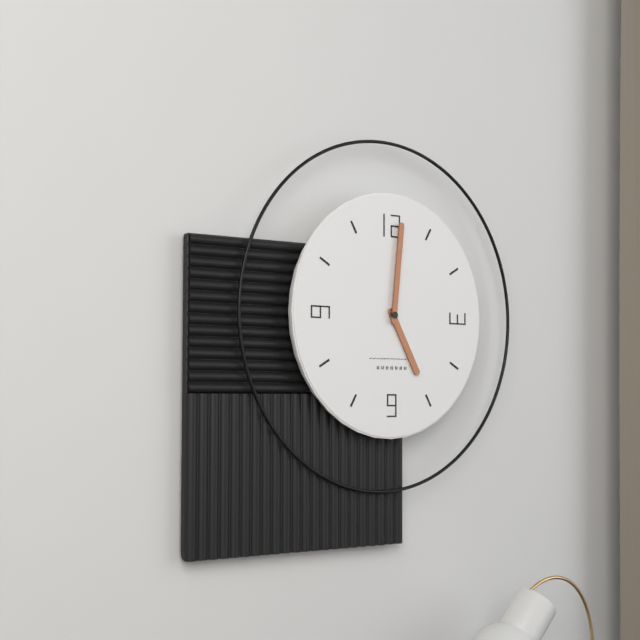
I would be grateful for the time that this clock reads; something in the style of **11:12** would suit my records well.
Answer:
**5:01**
